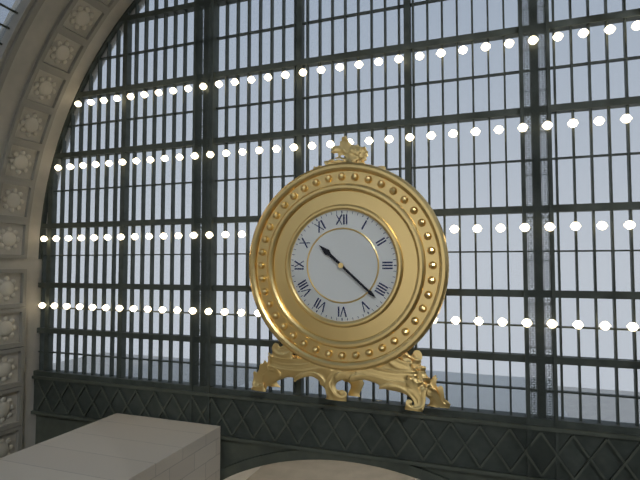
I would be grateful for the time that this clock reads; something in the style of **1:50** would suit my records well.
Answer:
**10:22**
